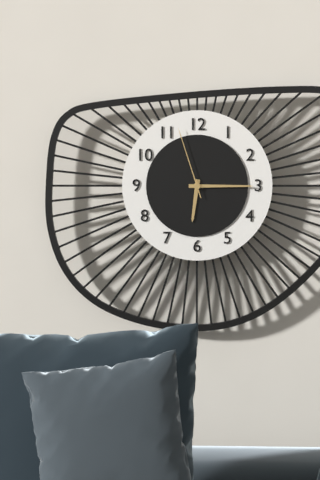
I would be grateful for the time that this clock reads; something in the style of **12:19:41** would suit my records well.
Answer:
**6:15:57**
